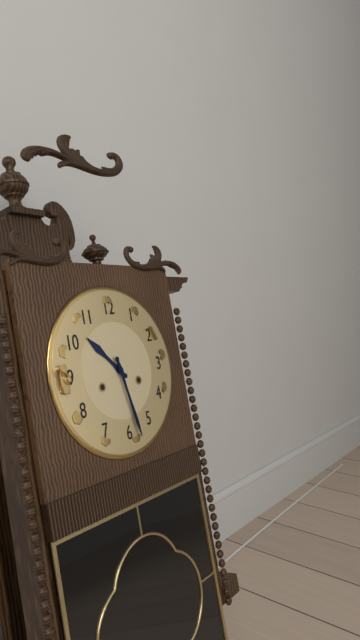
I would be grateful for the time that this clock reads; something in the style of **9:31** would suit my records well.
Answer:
**10:28**
